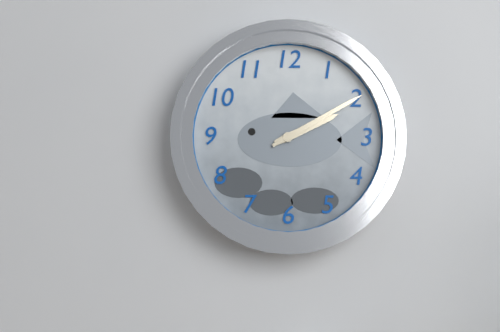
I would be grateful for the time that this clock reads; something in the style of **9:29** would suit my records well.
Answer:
**2:10**
